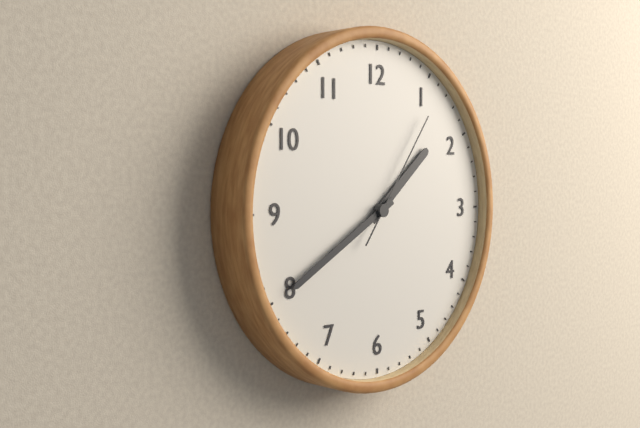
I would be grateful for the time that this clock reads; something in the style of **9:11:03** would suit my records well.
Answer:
**1:40:06**
